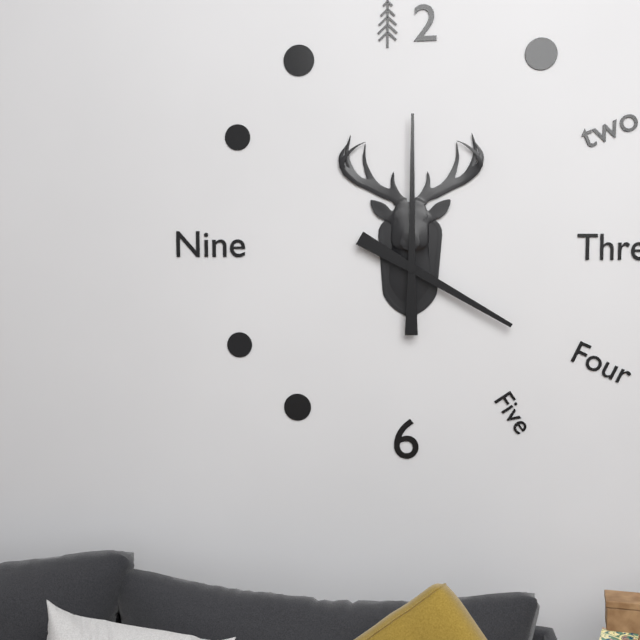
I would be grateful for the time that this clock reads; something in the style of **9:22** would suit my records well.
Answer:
**4:00**
